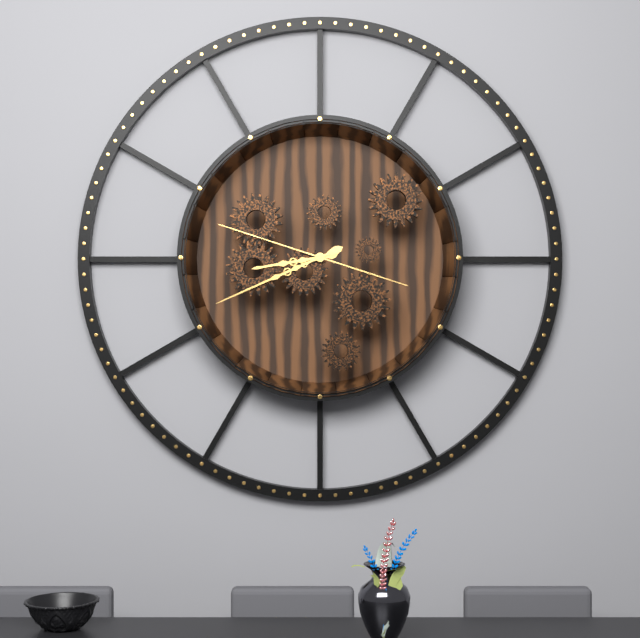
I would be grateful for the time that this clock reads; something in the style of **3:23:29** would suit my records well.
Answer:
**8:41:48**
